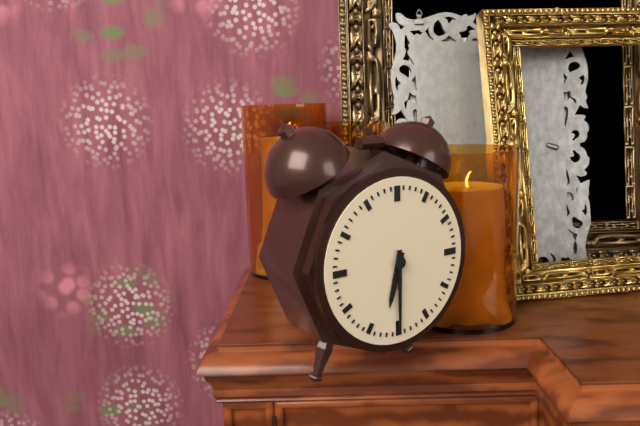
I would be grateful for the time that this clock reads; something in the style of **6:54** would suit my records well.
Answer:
**6:30**
